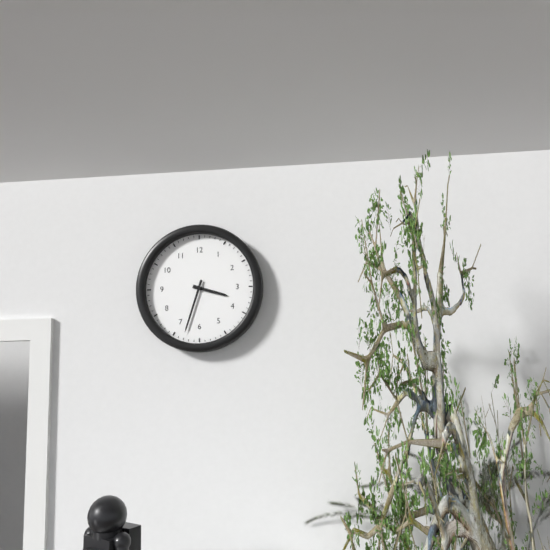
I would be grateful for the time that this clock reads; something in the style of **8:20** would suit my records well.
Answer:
**3:33**
